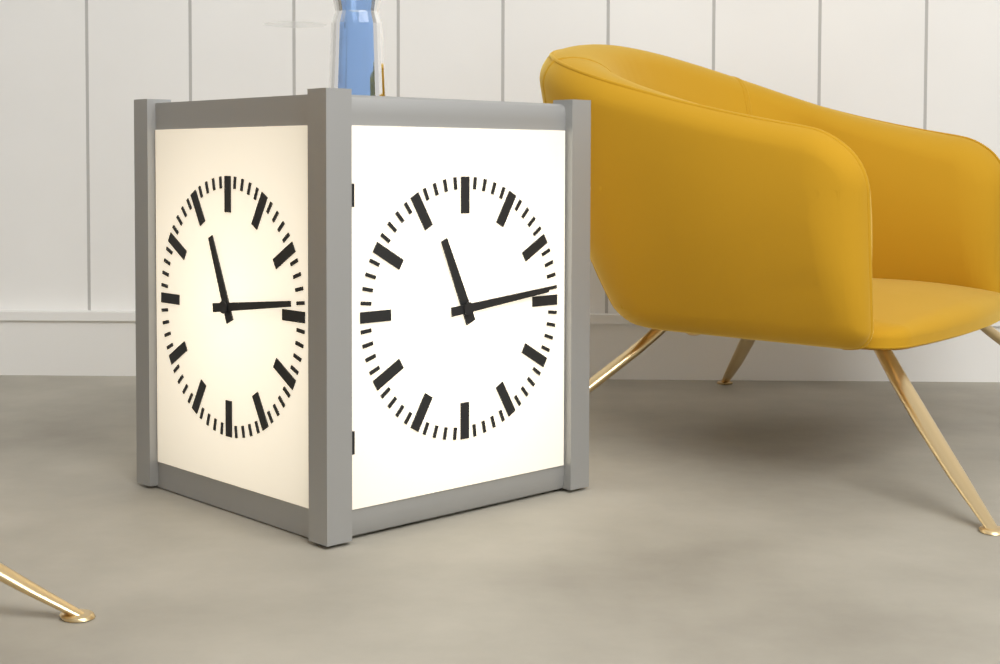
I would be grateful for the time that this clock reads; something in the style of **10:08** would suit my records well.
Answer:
**11:14**
